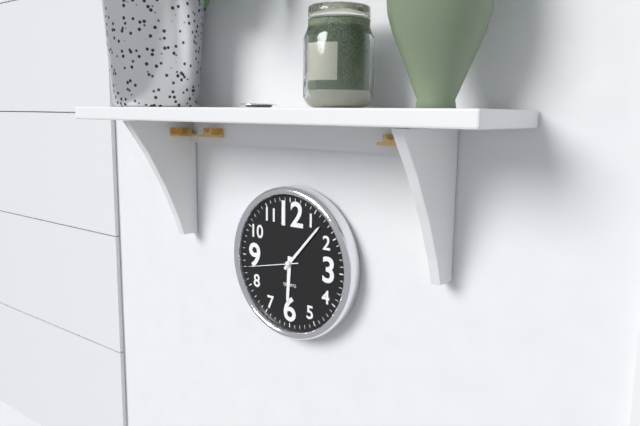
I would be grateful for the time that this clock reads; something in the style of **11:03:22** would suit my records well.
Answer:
**6:07:43**
